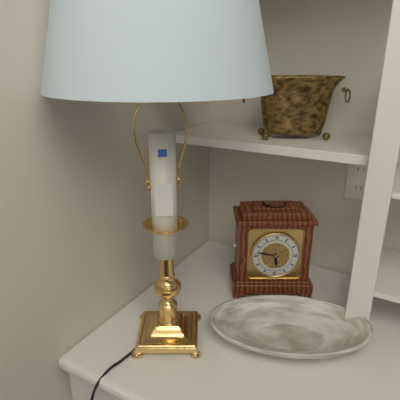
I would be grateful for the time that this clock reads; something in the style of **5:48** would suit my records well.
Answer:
**5:47**
